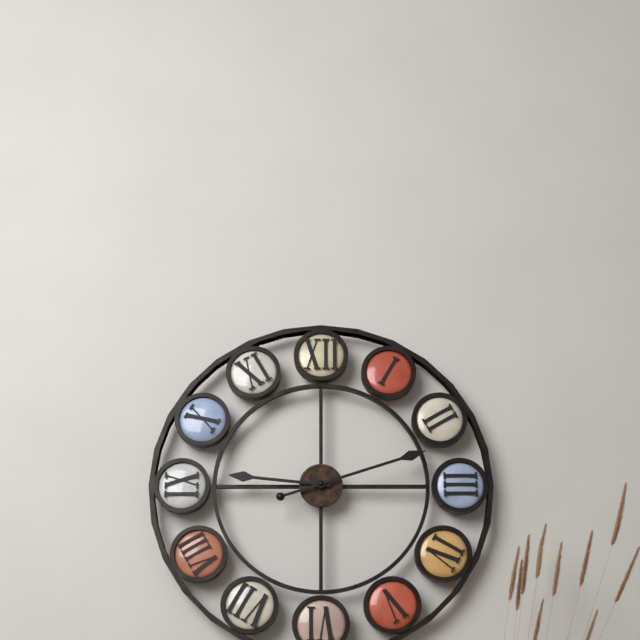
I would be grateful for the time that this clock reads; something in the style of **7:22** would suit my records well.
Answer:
**9:12**
